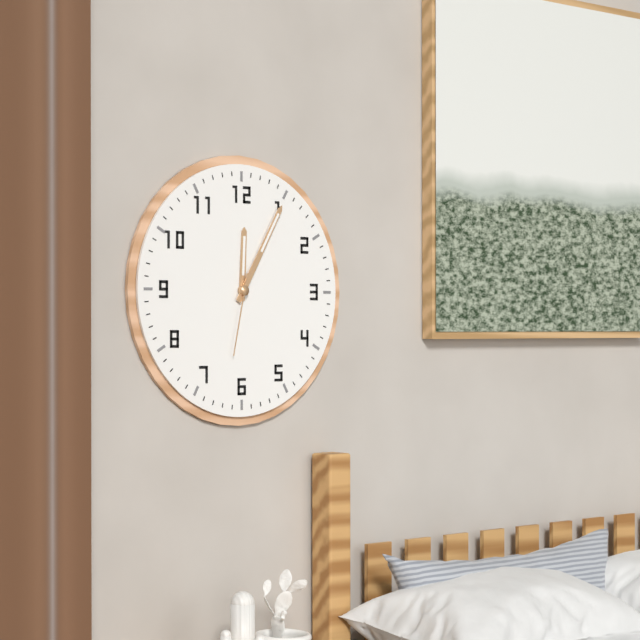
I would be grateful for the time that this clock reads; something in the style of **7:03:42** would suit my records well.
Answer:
**12:05:32**
